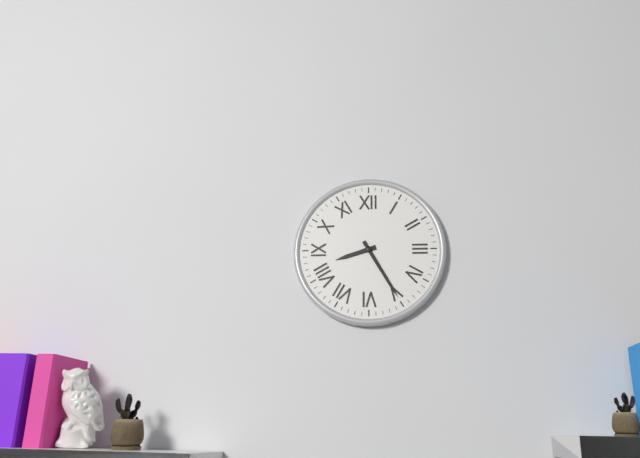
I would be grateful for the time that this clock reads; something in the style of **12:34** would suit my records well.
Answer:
**8:25**
